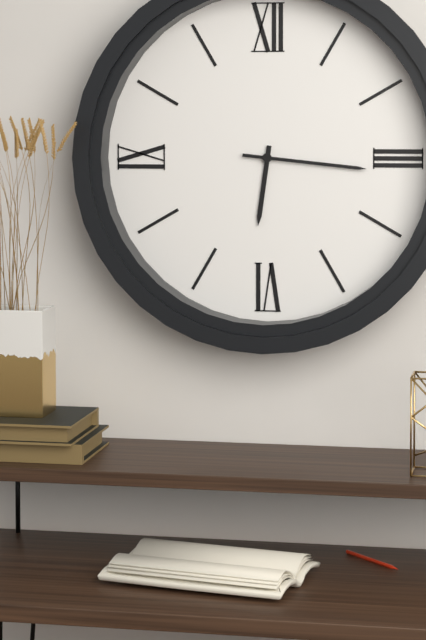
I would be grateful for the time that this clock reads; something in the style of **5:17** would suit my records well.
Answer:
**6:16**
